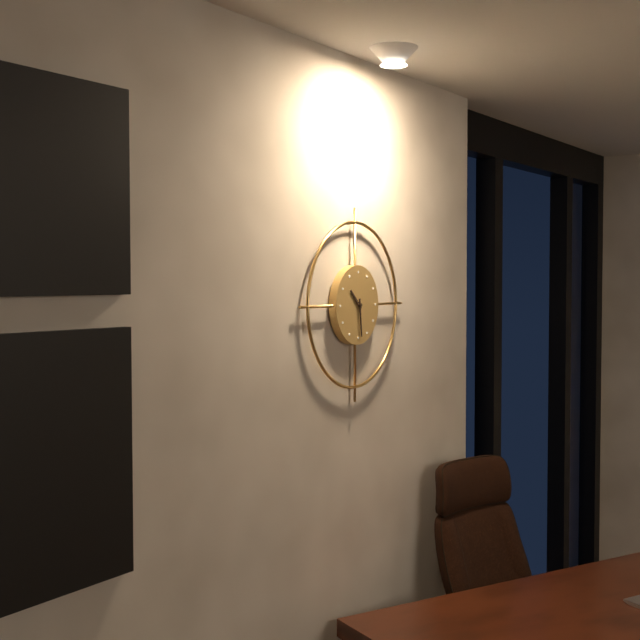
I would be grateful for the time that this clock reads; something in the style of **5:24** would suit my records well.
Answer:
**10:29**
